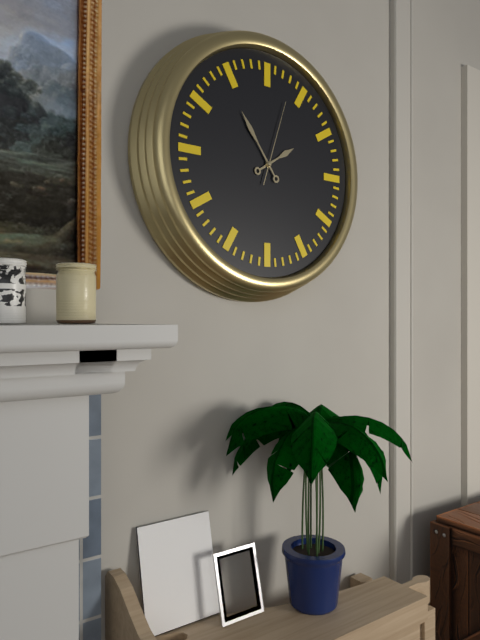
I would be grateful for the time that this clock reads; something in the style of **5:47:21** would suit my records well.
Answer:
**1:54:03**
